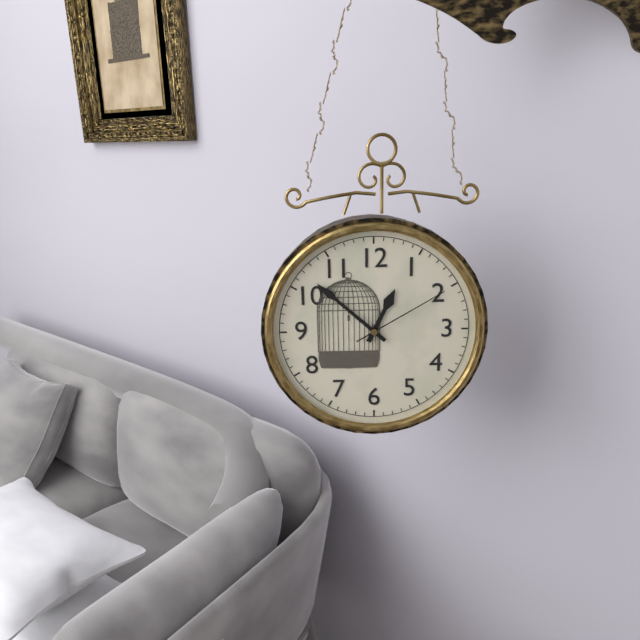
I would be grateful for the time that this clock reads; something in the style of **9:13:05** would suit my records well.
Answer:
**12:52:10**
